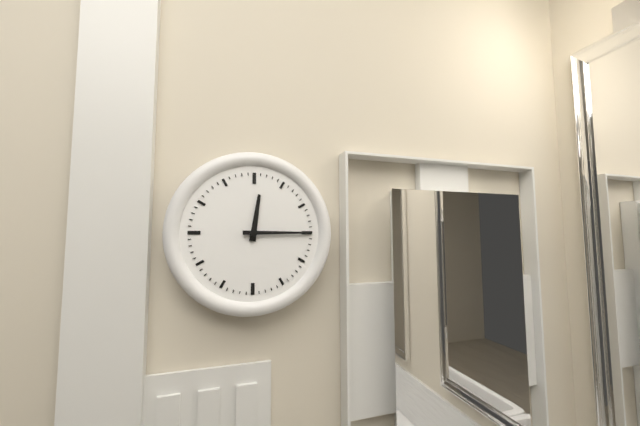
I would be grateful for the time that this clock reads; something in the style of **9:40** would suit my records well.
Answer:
**12:15**
